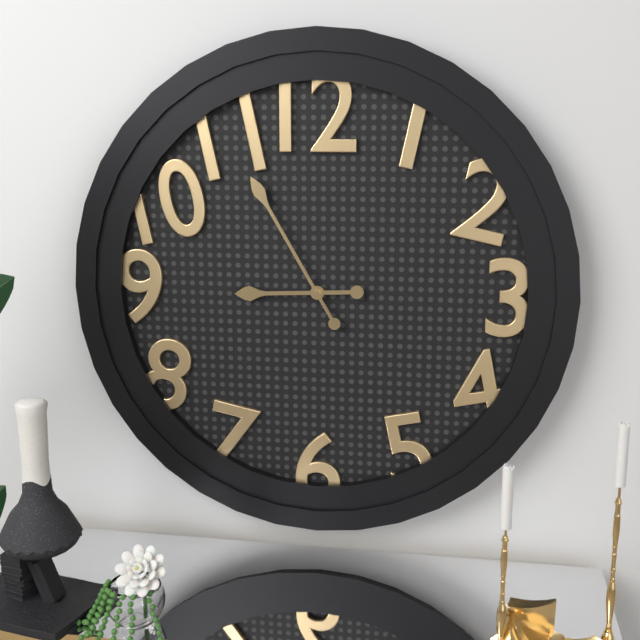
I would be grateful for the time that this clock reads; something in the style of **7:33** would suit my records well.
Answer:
**8:55**
